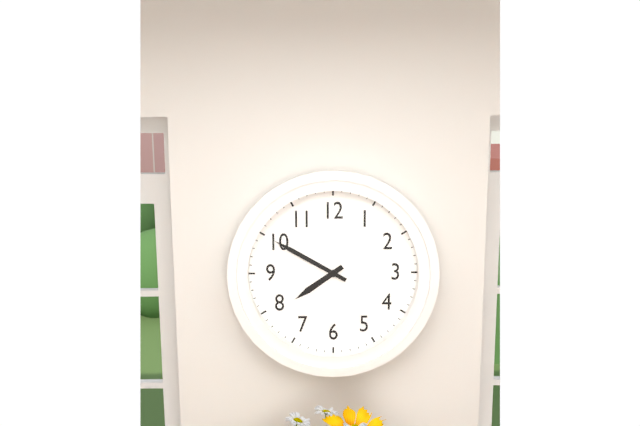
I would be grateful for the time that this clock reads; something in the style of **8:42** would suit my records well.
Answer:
**7:50**
